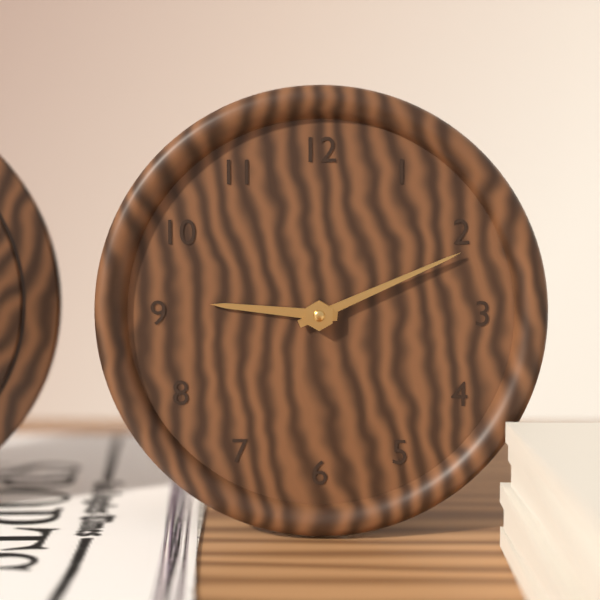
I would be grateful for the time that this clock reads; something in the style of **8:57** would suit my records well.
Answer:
**9:11**
